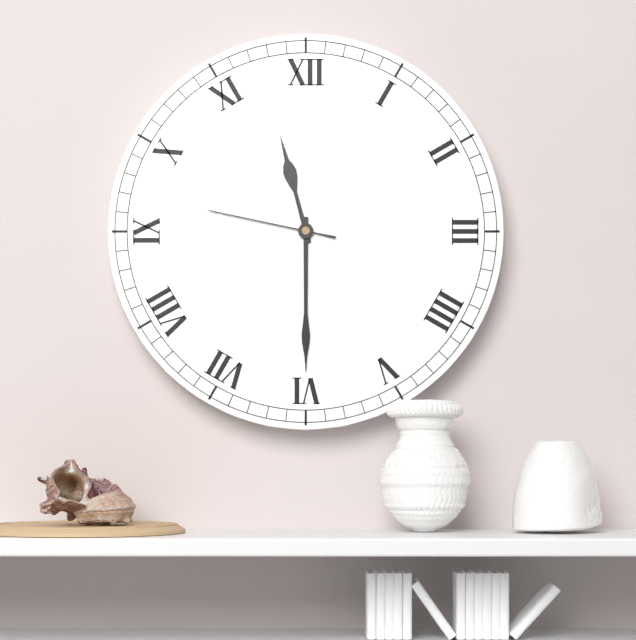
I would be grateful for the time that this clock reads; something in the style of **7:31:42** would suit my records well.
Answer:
**11:30:47**
